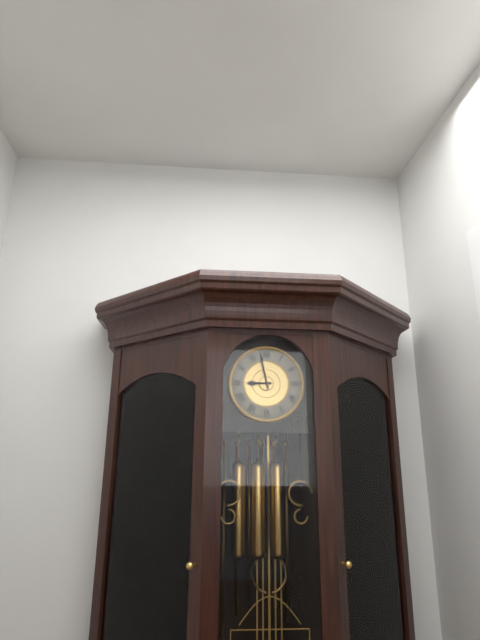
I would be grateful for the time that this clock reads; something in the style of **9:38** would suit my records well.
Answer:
**8:58**
